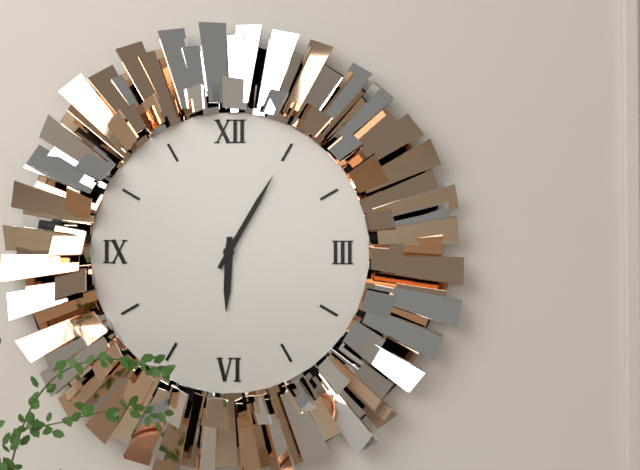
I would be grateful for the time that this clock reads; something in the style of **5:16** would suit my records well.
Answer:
**6:05**
